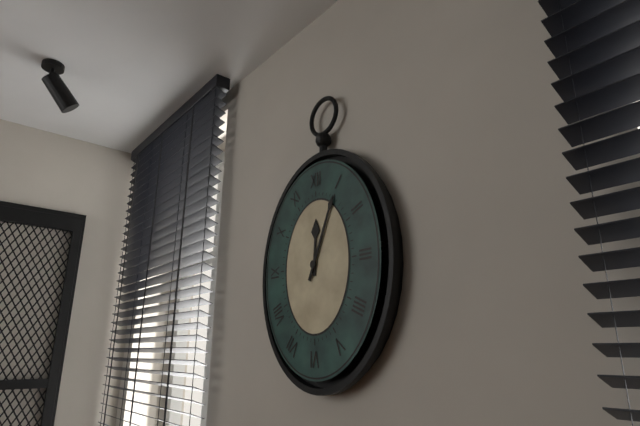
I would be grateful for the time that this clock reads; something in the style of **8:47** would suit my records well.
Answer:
**12:04**
